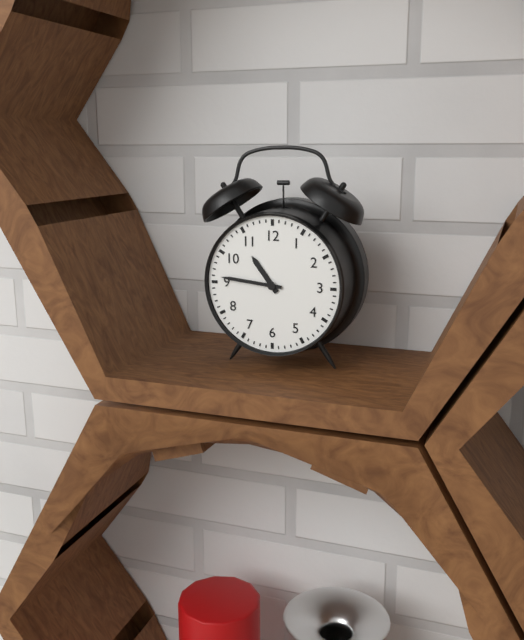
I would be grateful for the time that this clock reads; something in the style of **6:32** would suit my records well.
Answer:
**10:46**
